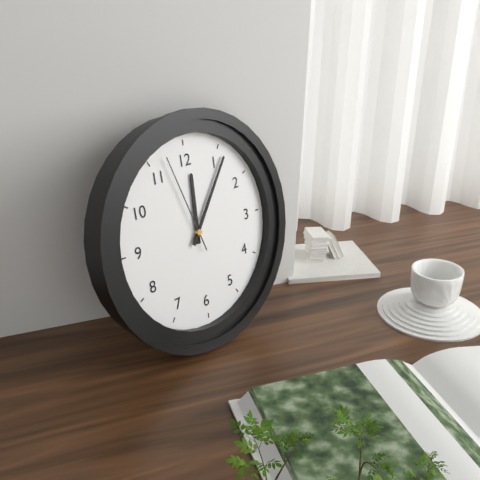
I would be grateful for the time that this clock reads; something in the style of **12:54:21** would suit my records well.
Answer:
**12:06:57**
